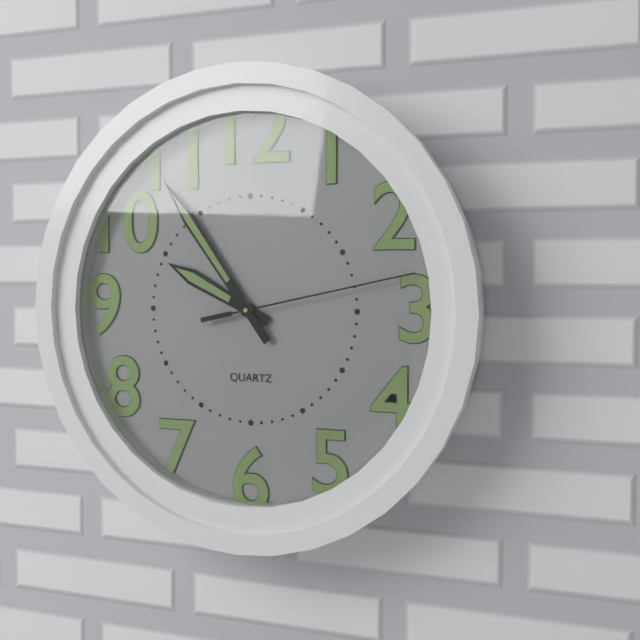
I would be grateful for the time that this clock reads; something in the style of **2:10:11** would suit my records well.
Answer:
**9:54:13**
